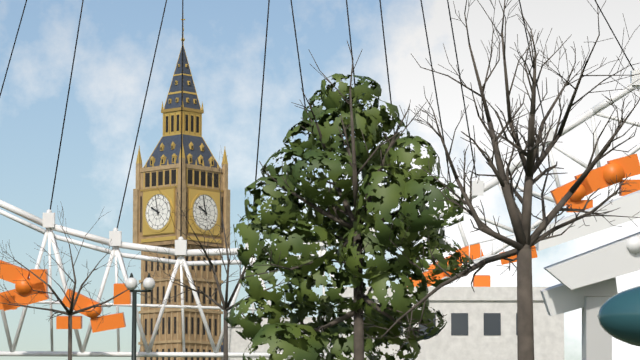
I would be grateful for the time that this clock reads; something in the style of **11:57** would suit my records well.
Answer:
**9:58**
